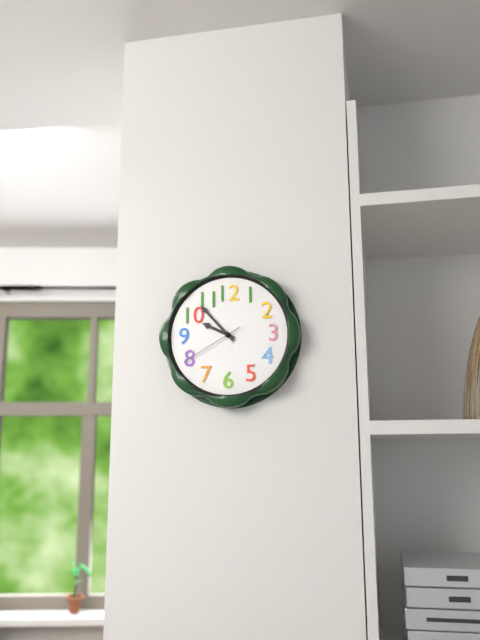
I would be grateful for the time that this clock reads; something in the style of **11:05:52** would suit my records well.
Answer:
**9:53:40**
